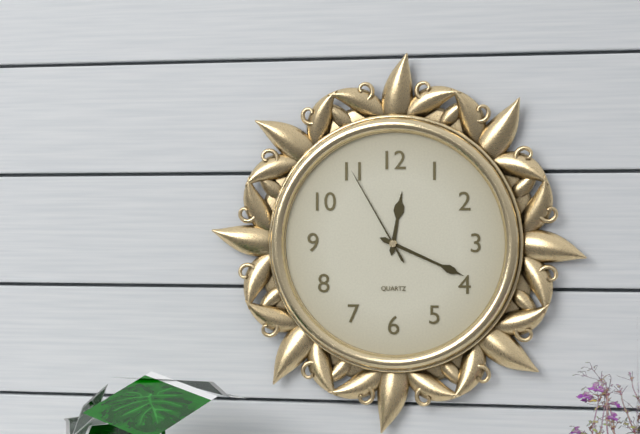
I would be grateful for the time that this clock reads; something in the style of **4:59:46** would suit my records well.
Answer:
**12:19:55**
